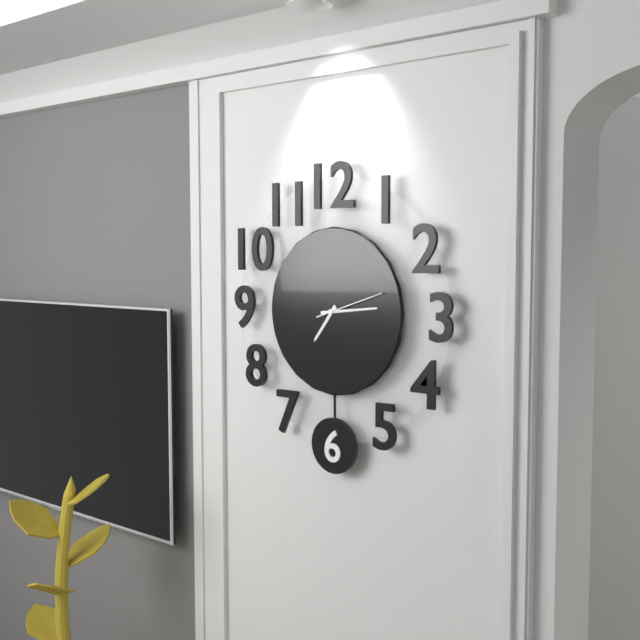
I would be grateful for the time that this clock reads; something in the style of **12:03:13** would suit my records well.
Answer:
**7:14:12**
